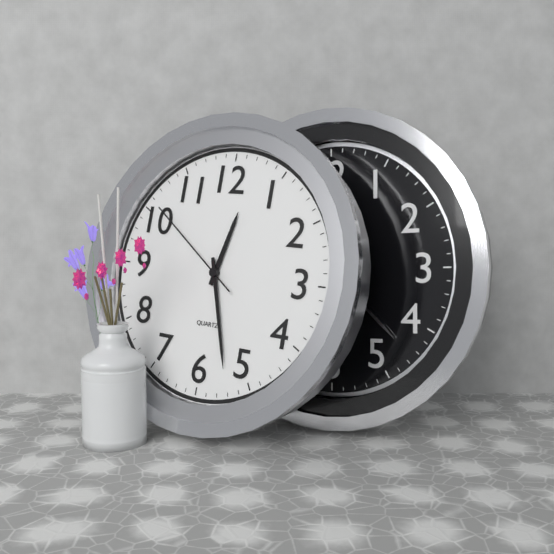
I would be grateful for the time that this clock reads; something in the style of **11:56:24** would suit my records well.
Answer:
**12:27:51**
